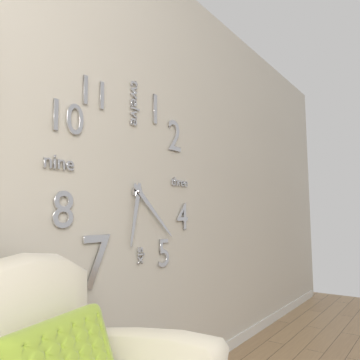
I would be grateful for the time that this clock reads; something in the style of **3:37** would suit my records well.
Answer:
**6:22**
